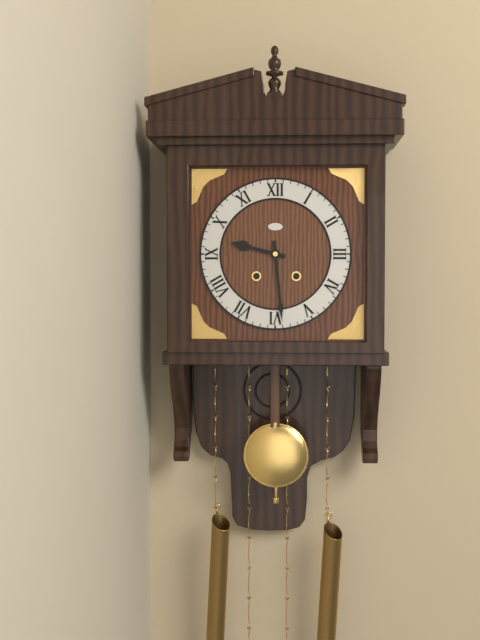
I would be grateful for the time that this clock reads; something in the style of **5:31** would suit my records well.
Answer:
**9:29**
